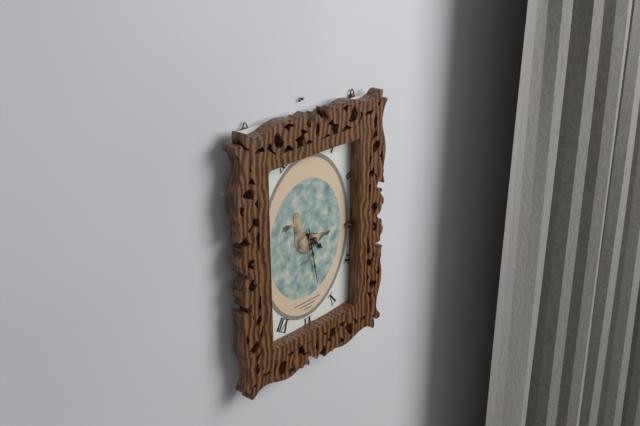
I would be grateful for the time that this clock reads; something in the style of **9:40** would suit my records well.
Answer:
**4:28**
